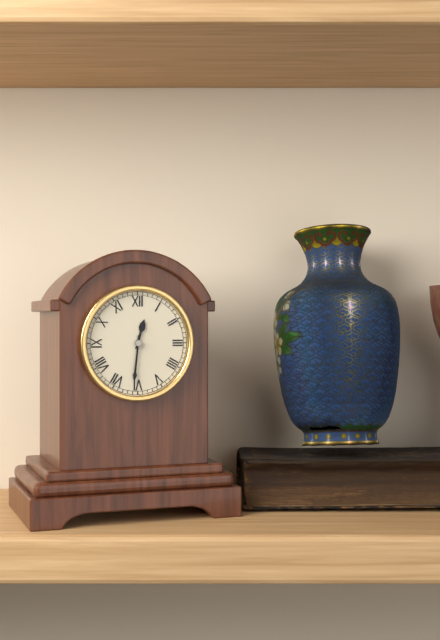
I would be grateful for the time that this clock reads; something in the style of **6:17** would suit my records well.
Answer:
**12:31**
